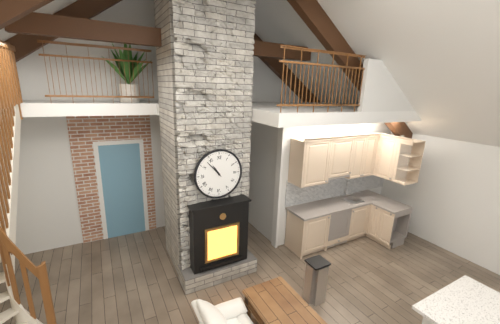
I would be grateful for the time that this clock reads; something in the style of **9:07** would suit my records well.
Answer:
**10:53**
